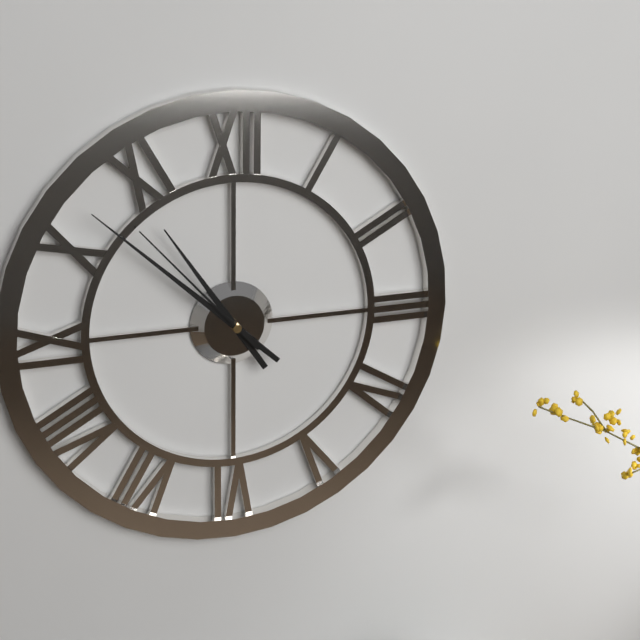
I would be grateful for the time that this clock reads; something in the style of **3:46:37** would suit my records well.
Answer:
**10:52:53**
